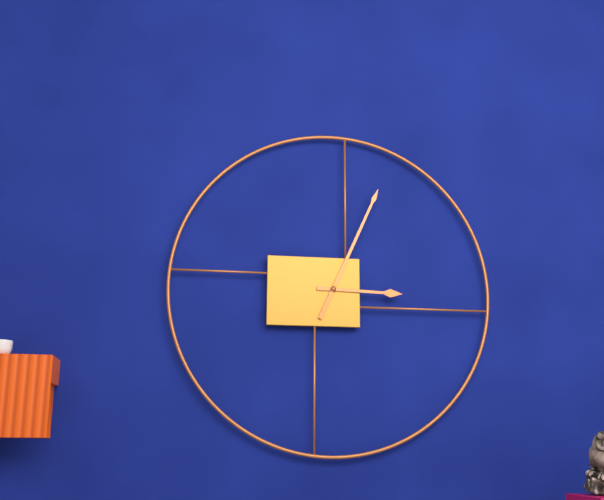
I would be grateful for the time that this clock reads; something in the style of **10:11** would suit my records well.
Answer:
**3:04**
